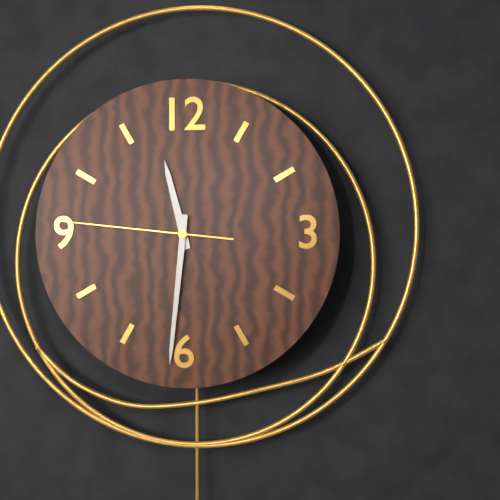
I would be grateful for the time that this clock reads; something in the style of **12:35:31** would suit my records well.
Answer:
**11:31:46**
